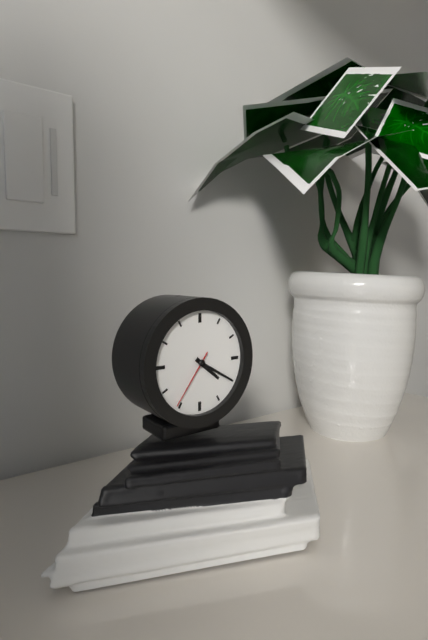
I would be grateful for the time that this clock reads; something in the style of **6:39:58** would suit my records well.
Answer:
**4:20:36**
